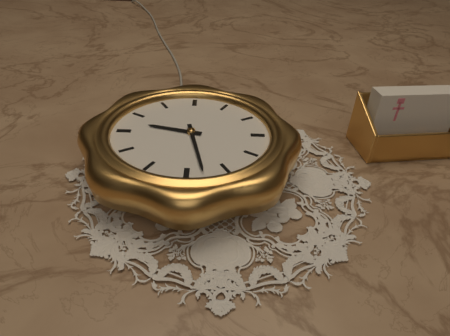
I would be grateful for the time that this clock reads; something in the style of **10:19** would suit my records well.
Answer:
**9:28**
